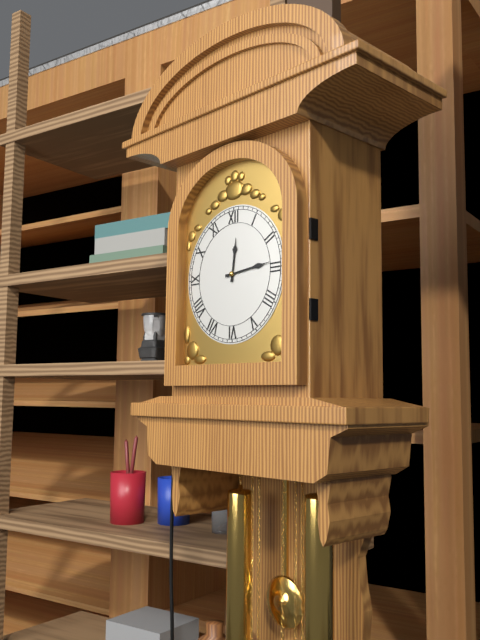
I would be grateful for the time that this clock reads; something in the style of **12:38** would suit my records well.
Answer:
**12:14**
